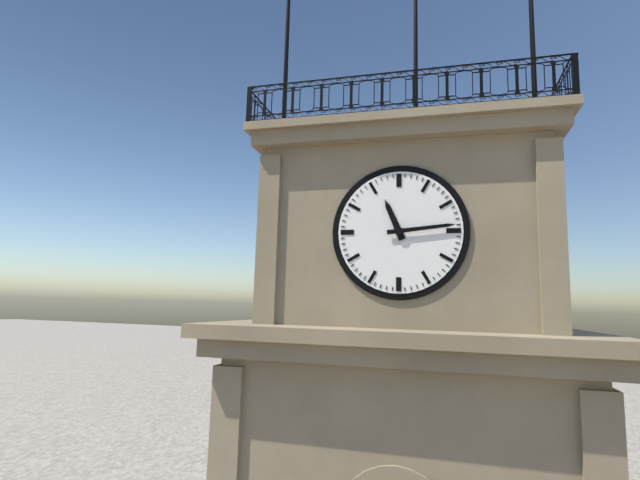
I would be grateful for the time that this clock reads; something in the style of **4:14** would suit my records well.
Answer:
**11:14**
